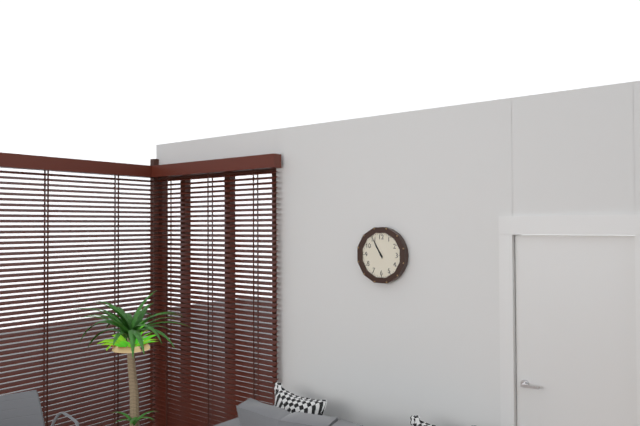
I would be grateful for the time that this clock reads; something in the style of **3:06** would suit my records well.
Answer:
**10:55**
